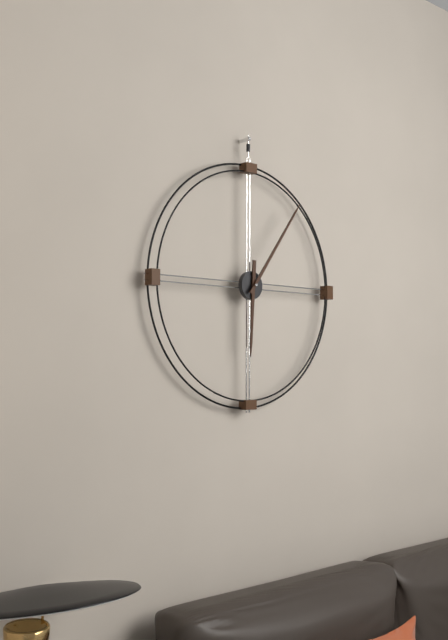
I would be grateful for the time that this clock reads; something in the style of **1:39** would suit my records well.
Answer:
**6:06**
